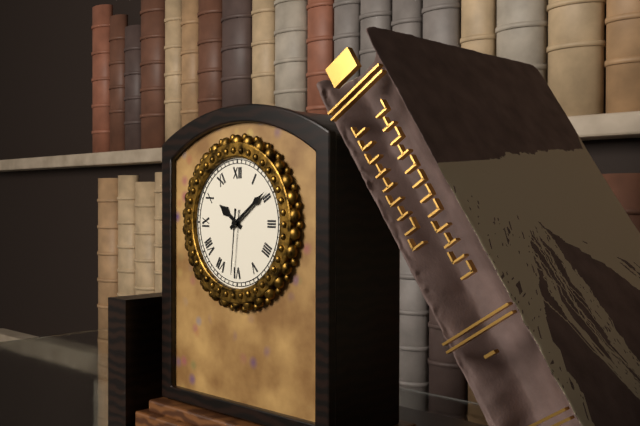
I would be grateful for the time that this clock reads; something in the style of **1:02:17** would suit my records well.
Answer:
**10:09:31**
